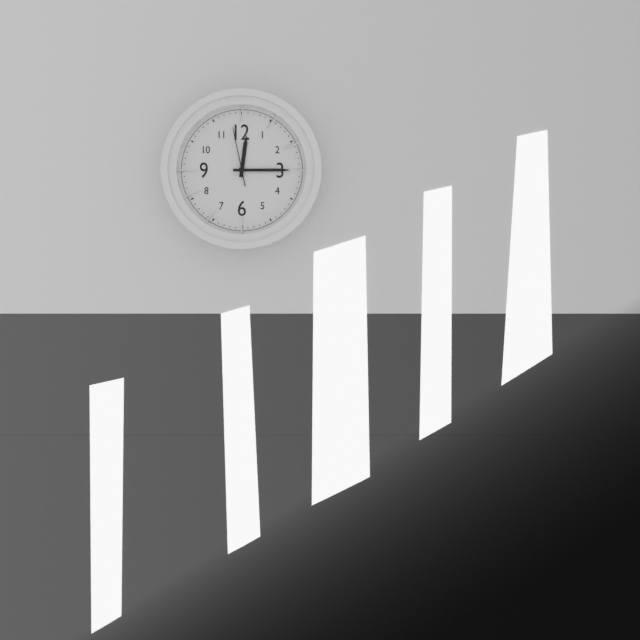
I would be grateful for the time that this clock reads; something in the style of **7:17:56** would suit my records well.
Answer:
**12:15:58**
